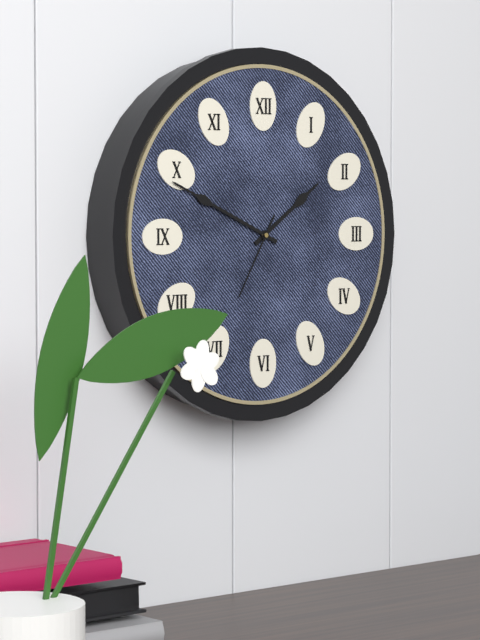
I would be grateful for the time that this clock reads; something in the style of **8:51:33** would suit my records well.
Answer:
**1:49:35**
